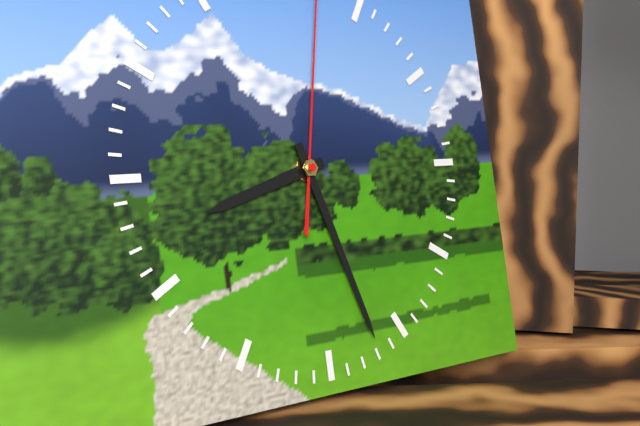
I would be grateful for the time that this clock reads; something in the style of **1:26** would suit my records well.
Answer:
**8:27**
